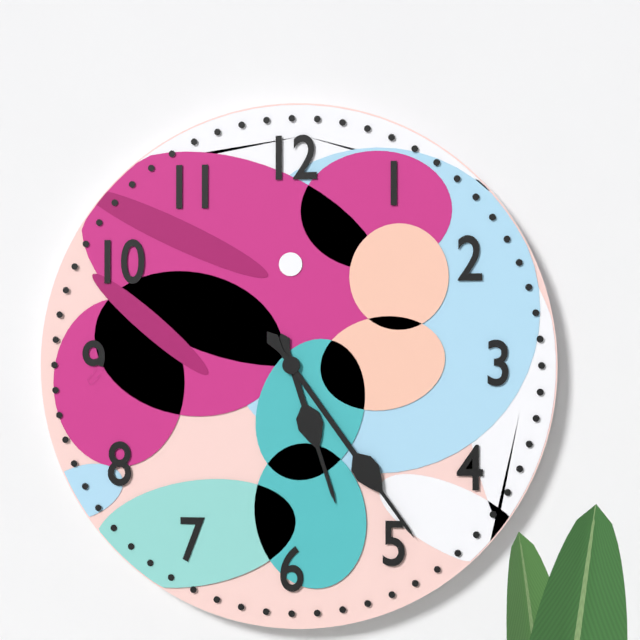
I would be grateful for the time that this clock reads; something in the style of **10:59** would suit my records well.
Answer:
**5:24**
